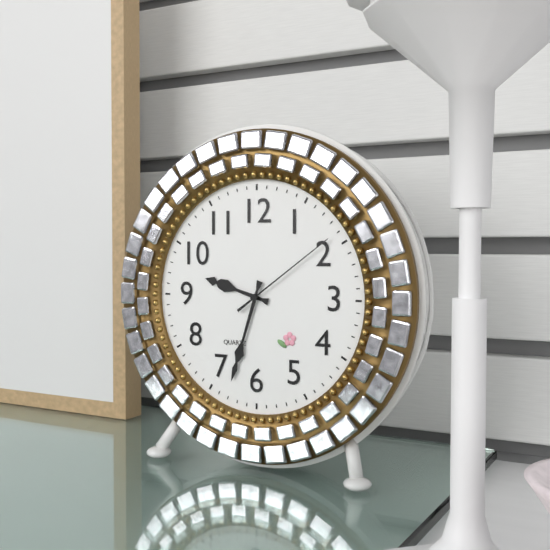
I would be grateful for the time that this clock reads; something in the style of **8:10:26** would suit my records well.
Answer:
**9:33:09**
